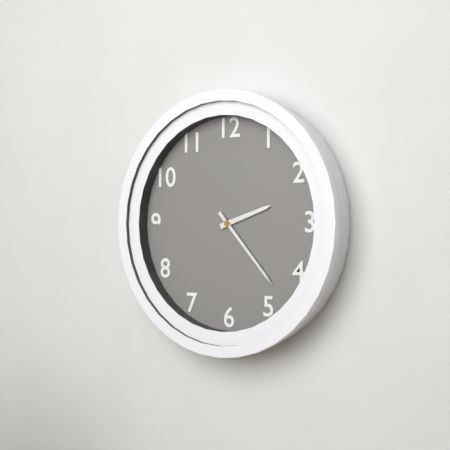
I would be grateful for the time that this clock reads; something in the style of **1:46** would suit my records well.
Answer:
**2:23**
